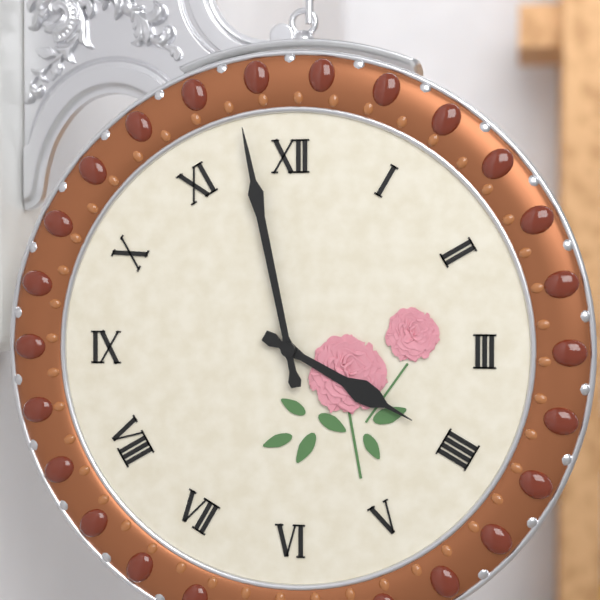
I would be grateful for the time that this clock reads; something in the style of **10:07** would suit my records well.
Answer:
**3:58**
